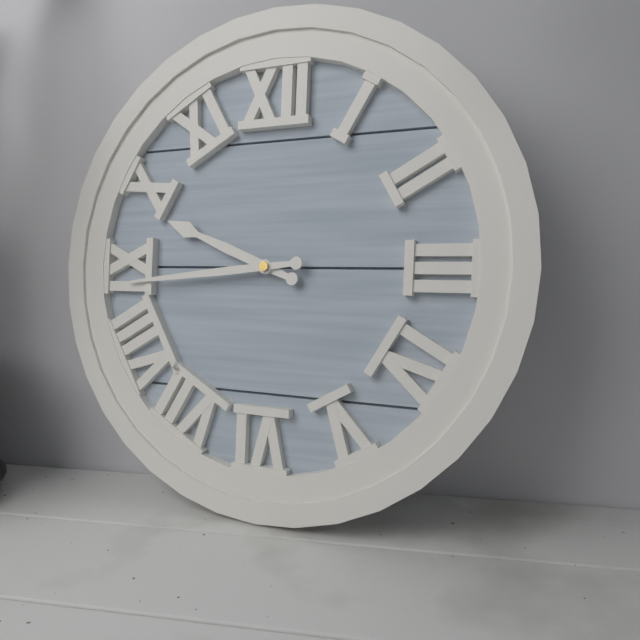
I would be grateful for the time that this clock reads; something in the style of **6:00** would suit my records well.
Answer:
**9:44**
